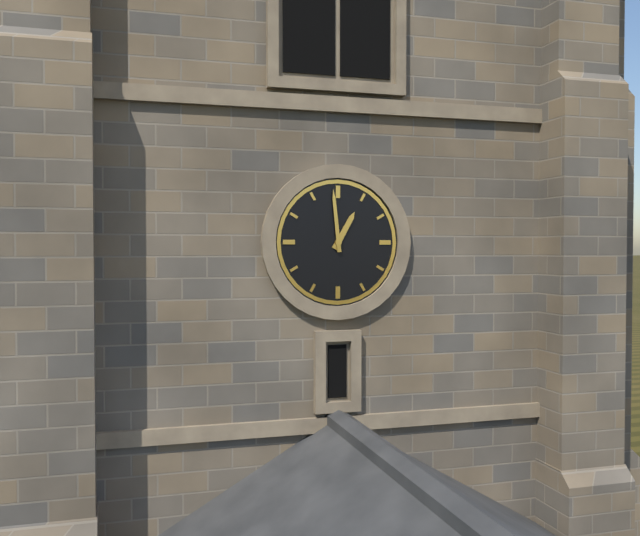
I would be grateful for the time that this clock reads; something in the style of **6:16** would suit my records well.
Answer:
**12:59**
